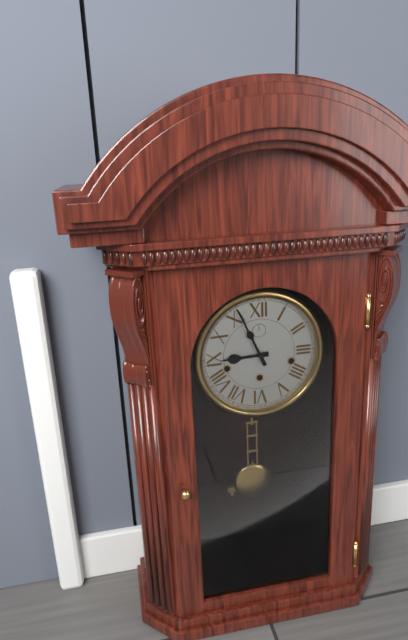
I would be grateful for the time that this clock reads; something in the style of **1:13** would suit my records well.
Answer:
**8:56**
